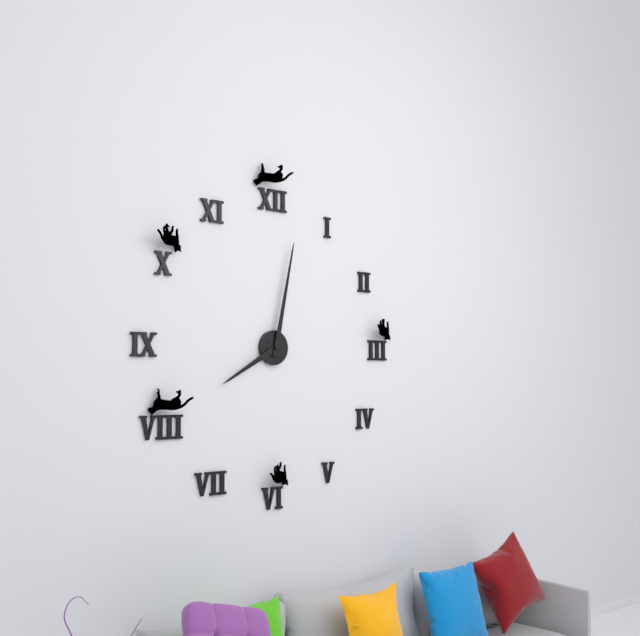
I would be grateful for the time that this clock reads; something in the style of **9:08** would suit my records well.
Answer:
**8:02**
